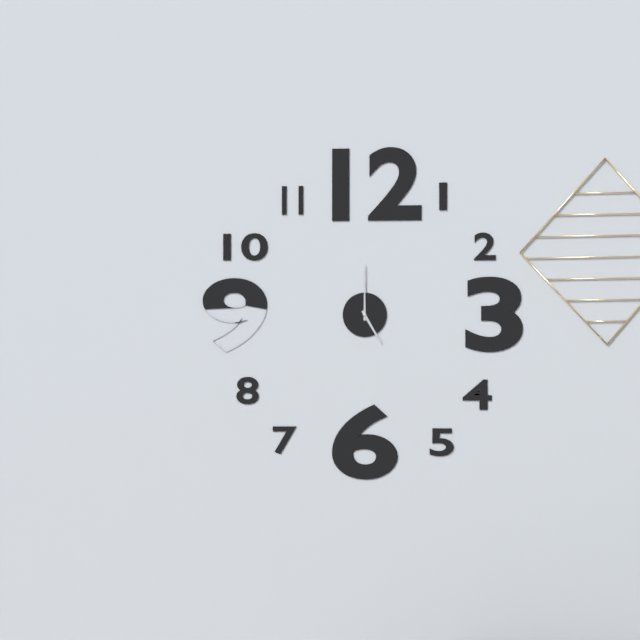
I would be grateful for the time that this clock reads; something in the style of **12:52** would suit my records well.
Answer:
**5:00**
